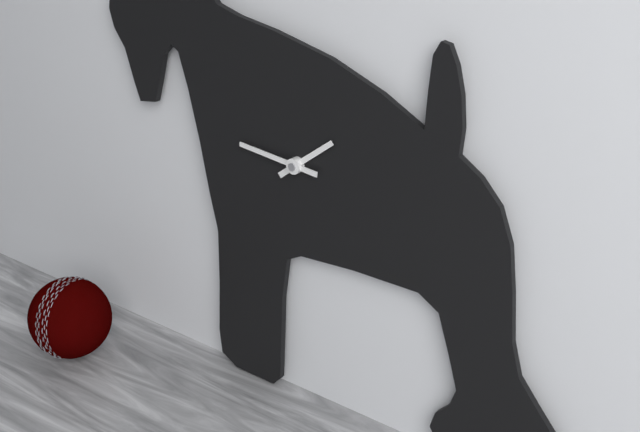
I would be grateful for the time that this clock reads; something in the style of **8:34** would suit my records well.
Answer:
**1:46**
